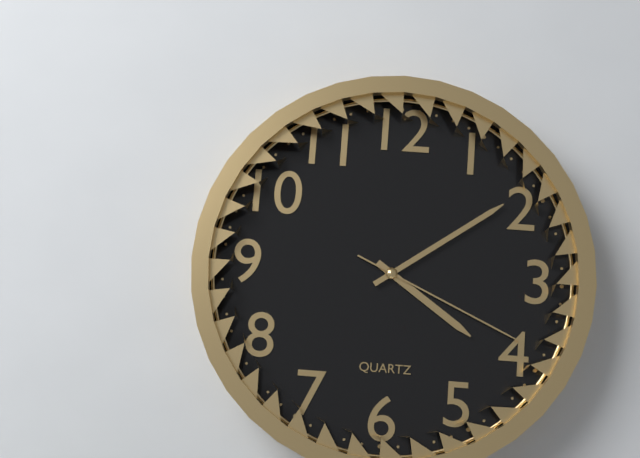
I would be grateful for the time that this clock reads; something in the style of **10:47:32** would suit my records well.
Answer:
**4:09:19**
